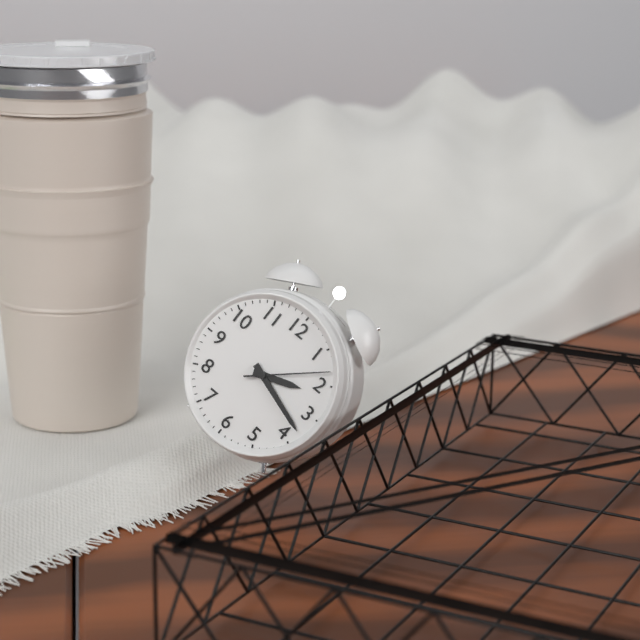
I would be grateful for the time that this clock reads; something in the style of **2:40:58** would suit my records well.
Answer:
**2:18:08**
